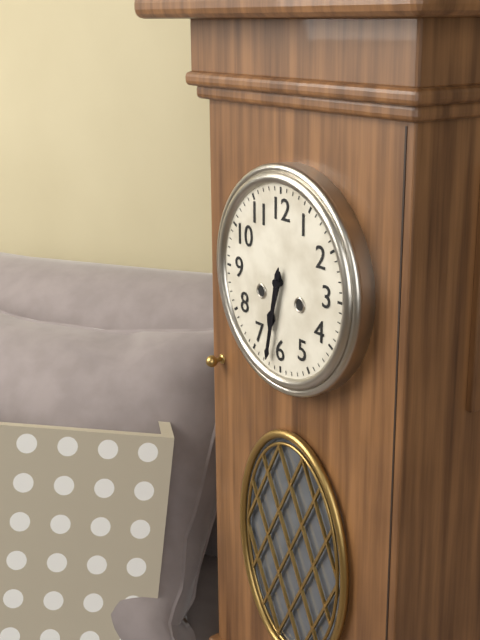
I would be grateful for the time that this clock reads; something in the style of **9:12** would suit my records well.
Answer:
**6:32**
